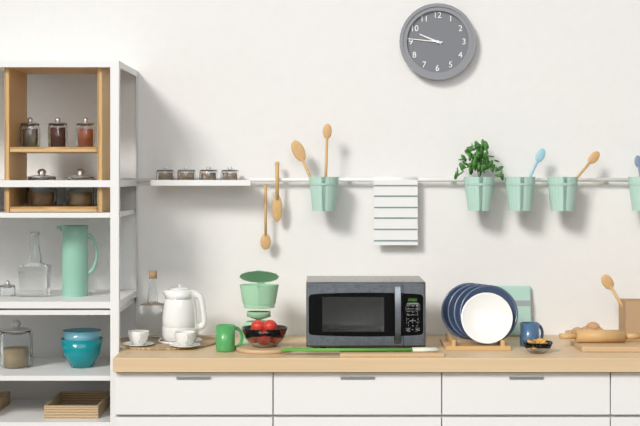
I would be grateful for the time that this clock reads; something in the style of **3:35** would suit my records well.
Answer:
**9:46**
